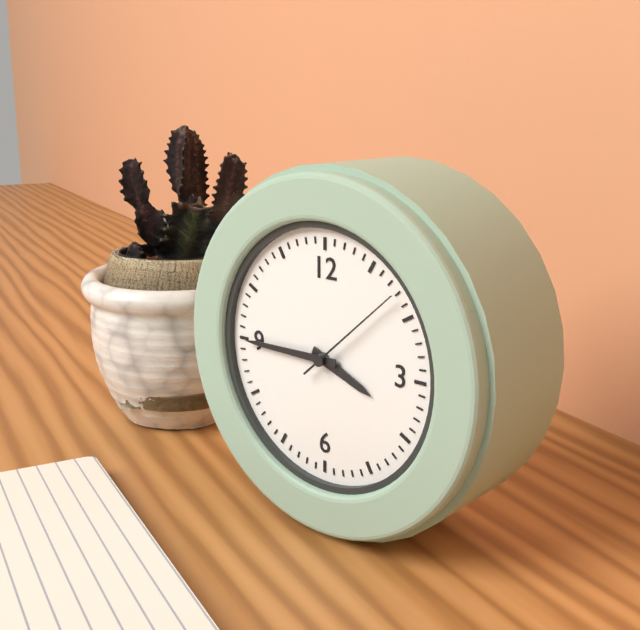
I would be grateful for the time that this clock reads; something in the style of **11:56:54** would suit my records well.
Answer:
**3:45:08**
